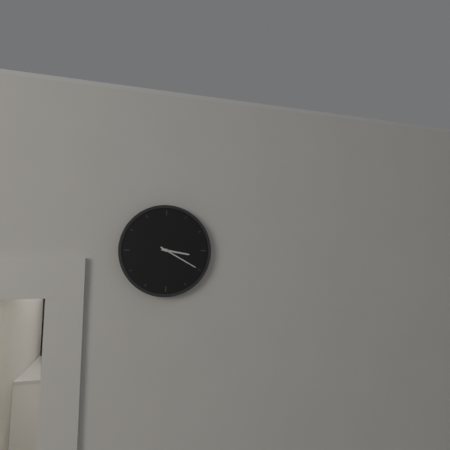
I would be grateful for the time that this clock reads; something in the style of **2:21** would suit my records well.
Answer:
**3:20**
